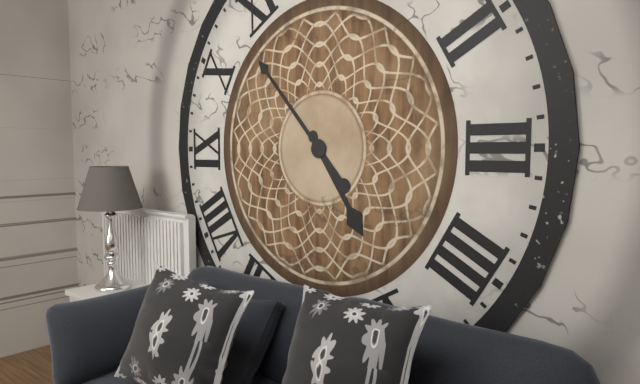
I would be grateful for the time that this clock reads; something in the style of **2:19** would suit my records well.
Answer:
**4:53**
